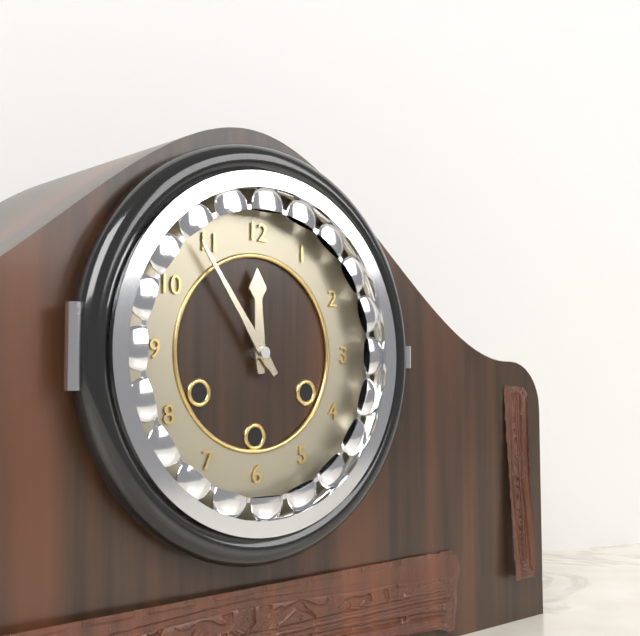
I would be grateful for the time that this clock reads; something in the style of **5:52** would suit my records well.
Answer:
**11:54**
